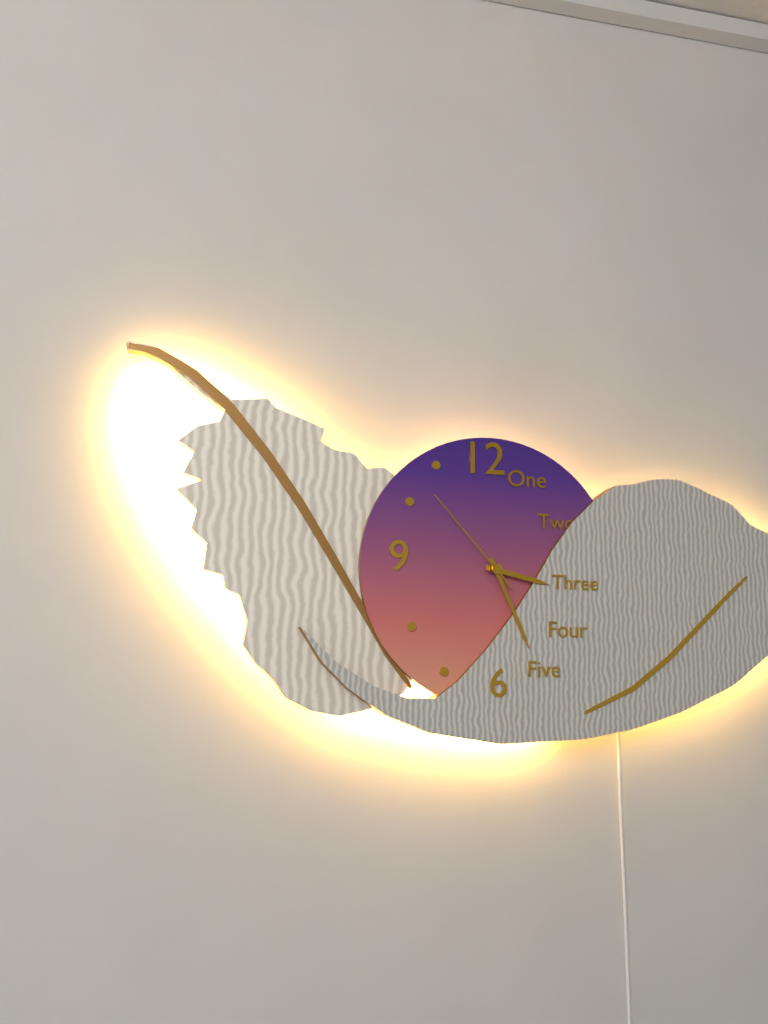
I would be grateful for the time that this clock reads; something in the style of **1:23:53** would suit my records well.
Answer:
**3:26:53**
